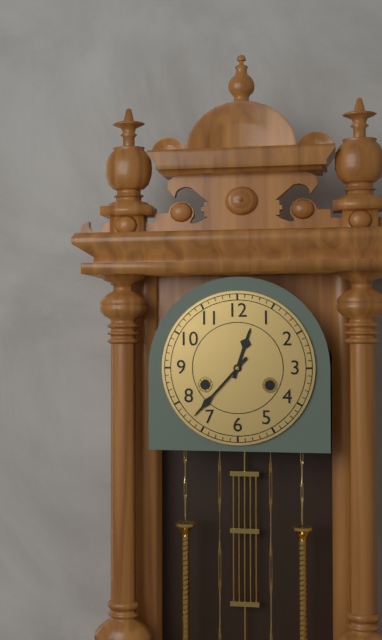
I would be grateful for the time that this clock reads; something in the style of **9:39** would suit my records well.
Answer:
**12:37**
